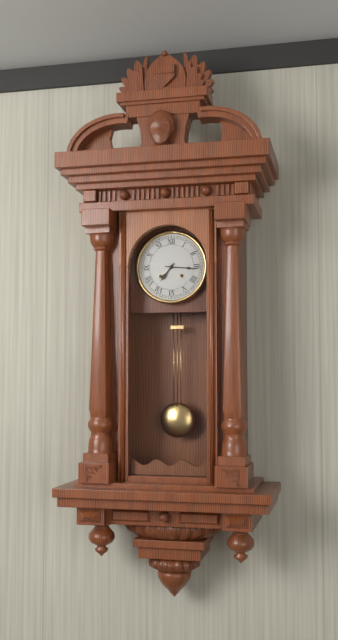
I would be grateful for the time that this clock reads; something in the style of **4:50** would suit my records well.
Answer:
**7:16**
